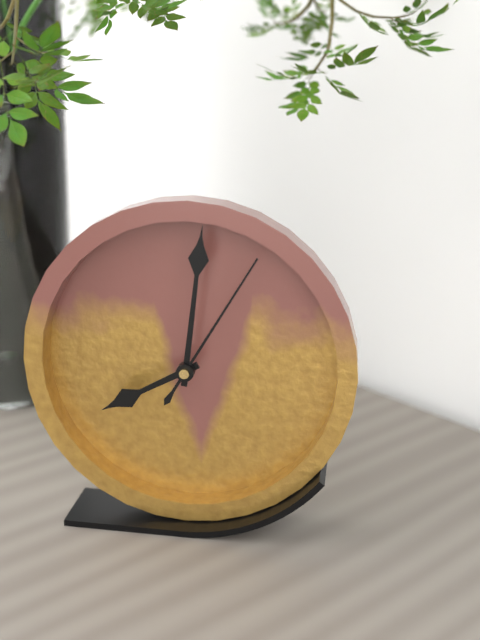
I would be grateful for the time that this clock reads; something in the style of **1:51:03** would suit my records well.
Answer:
**8:01:05**
